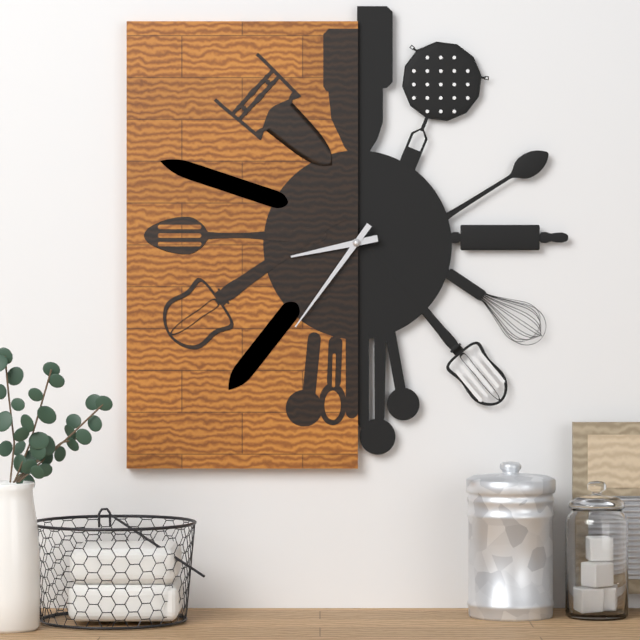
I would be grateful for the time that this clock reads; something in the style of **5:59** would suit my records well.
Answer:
**8:36**
